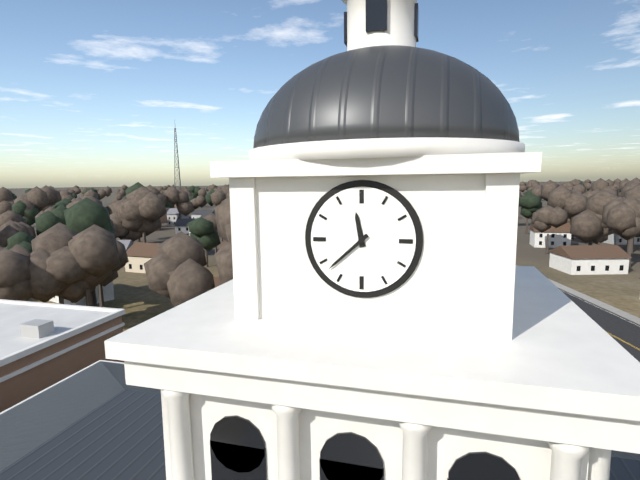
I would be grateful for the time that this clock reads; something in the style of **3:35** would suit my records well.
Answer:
**11:38**
